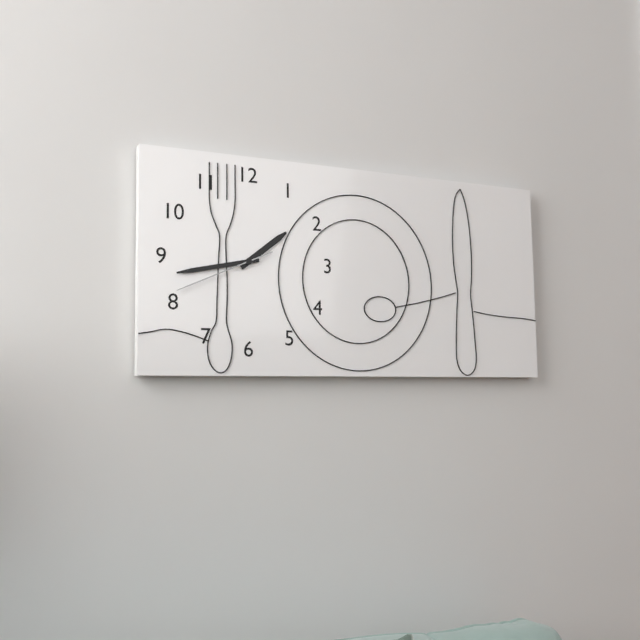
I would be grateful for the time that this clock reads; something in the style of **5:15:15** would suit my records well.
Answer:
**1:43:41**
